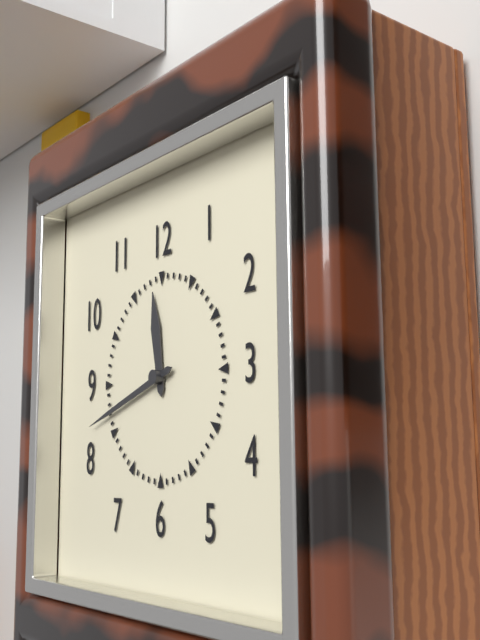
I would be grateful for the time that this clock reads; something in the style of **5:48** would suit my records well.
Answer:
**11:42**
